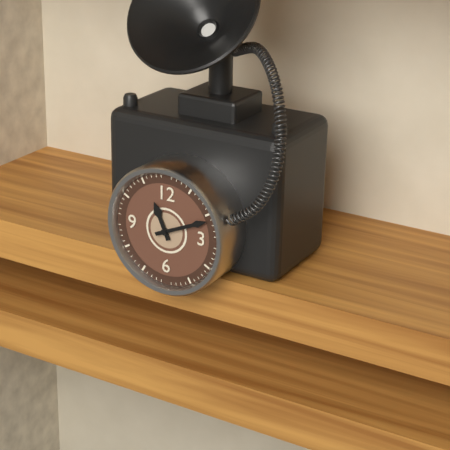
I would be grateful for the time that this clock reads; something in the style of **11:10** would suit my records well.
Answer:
**11:11**
